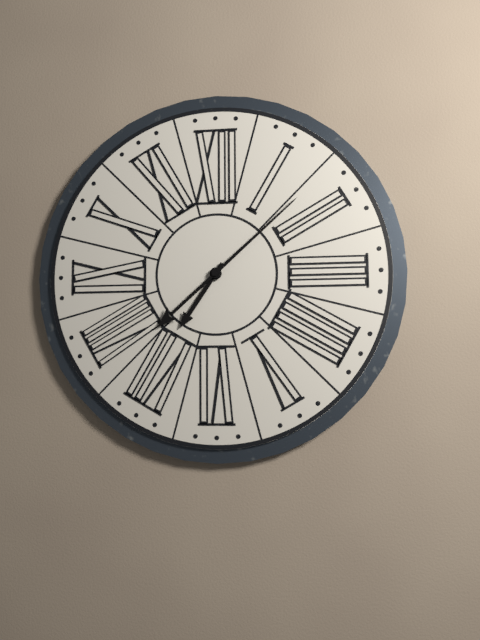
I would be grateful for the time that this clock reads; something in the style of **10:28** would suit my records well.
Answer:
**7:08**
